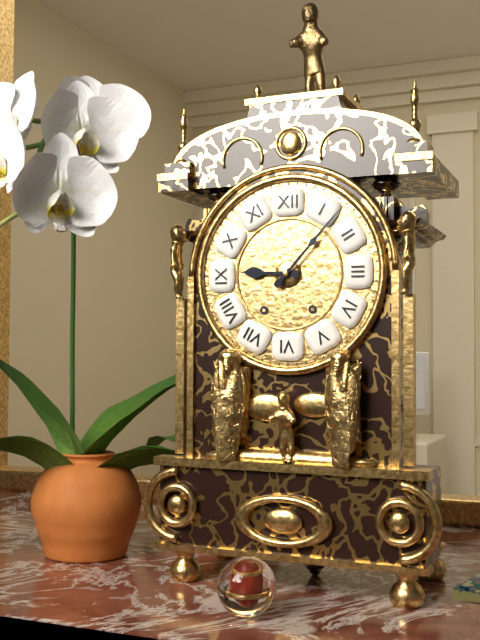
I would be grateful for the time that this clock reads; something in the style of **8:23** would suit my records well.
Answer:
**9:07**
